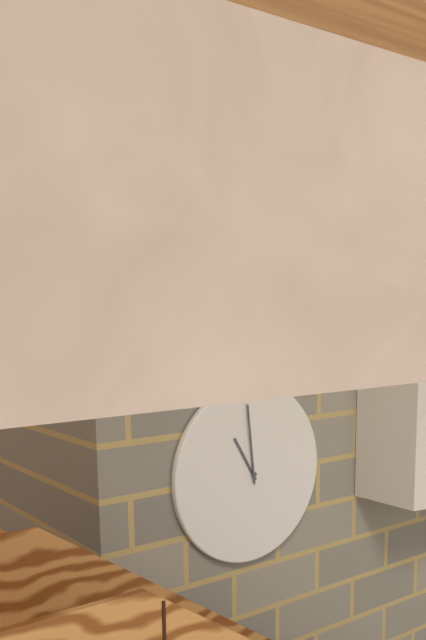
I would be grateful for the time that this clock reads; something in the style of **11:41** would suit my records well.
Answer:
**10:59**
